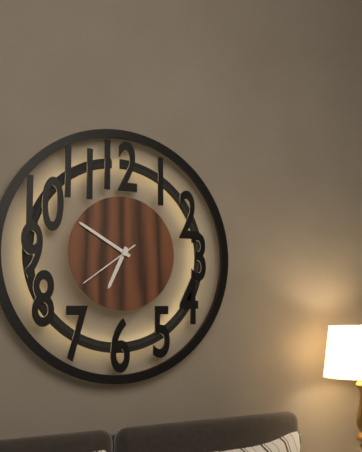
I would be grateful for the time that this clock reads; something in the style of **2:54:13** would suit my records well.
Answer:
**6:50:39**
